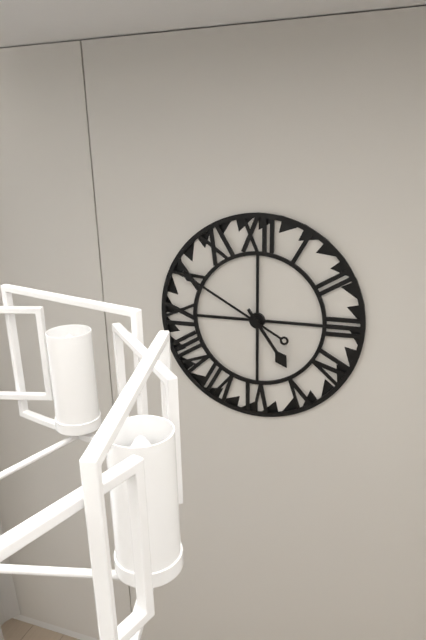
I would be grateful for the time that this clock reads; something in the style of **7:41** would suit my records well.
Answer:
**4:50**
